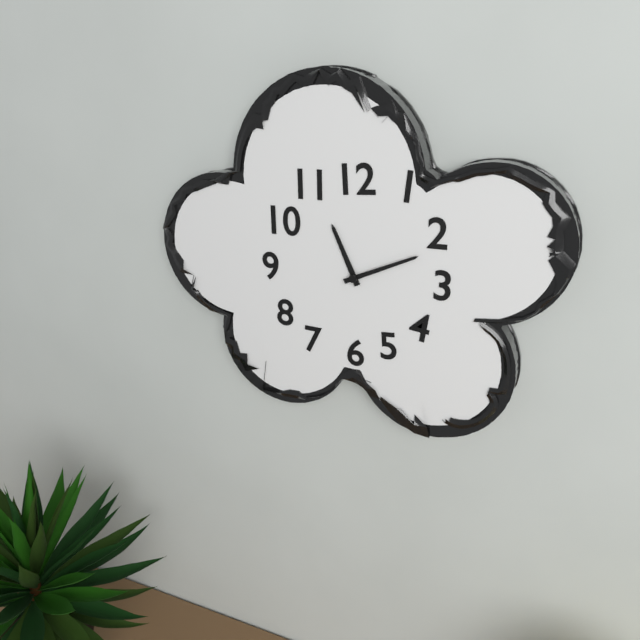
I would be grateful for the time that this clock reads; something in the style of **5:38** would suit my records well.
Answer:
**11:11**
